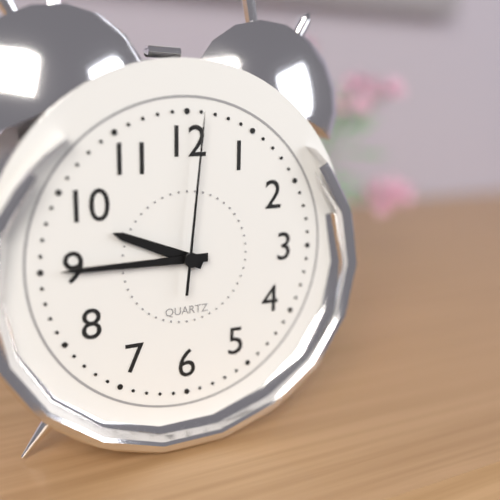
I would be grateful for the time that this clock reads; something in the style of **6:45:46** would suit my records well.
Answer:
**9:45:01**
